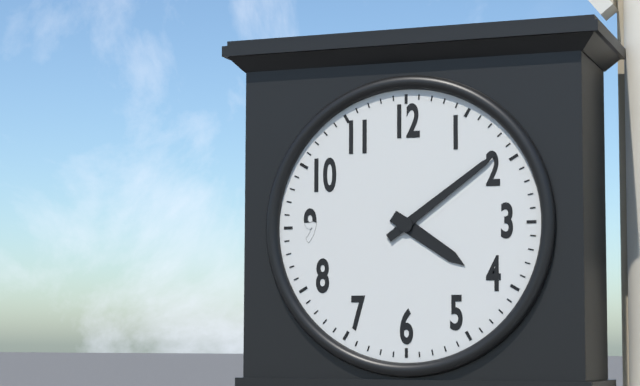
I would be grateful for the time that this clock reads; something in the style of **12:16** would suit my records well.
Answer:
**4:09**
